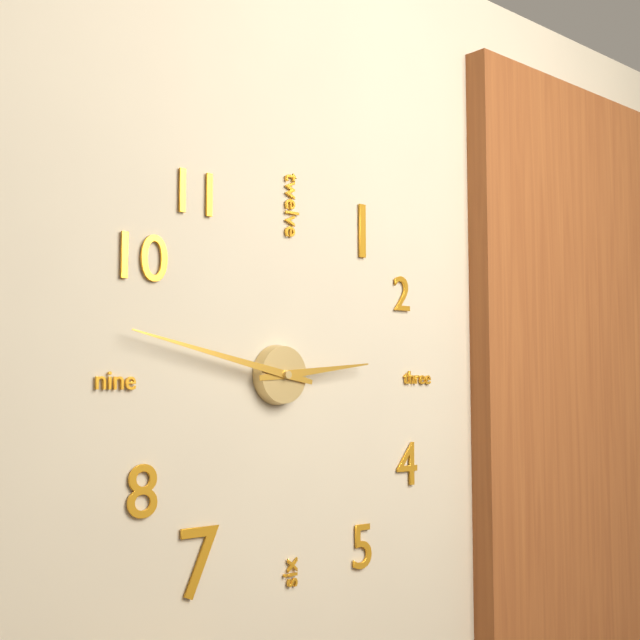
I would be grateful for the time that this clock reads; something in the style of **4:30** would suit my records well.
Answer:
**2:47**
